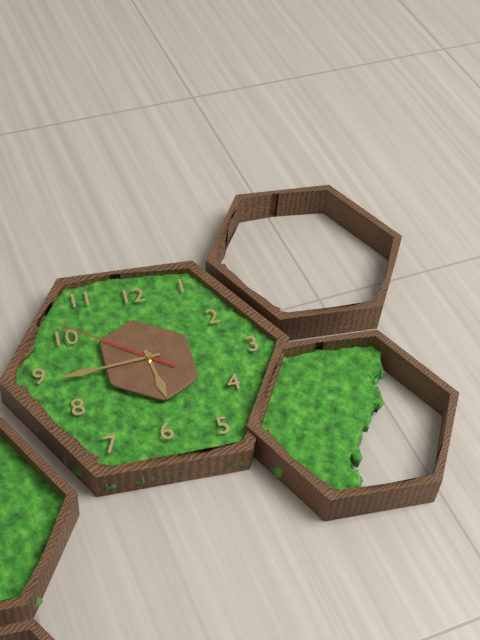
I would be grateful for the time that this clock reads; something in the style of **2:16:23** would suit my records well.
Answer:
**5:44:51**
